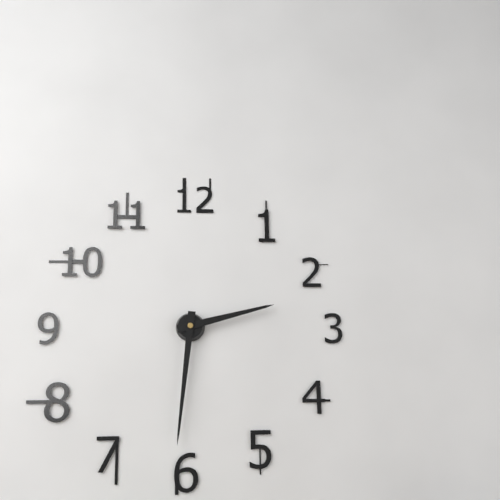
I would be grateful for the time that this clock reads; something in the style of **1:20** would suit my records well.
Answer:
**2:31**
